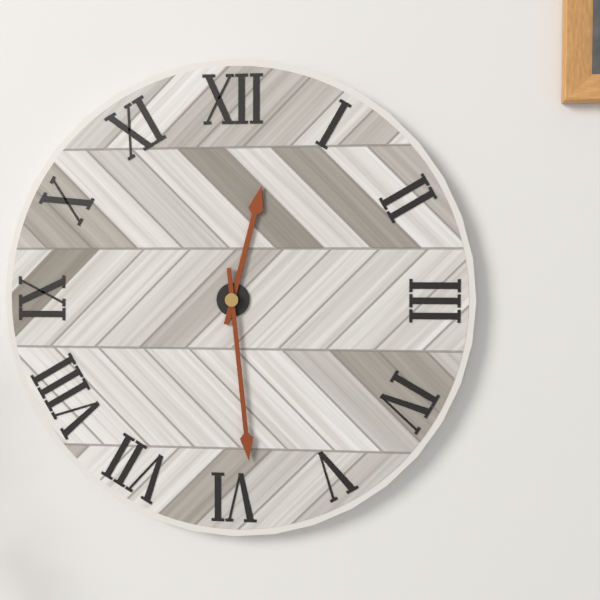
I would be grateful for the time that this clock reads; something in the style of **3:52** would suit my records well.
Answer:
**12:29**
